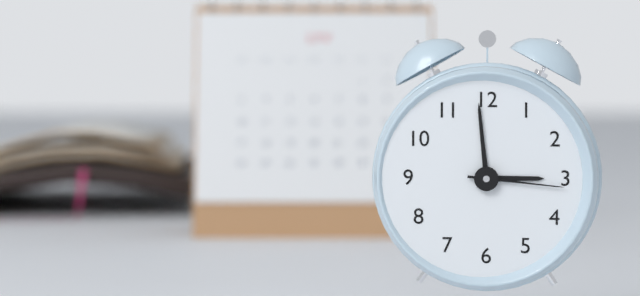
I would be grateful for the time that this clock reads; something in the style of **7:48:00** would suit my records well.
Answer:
**2:59:16**
